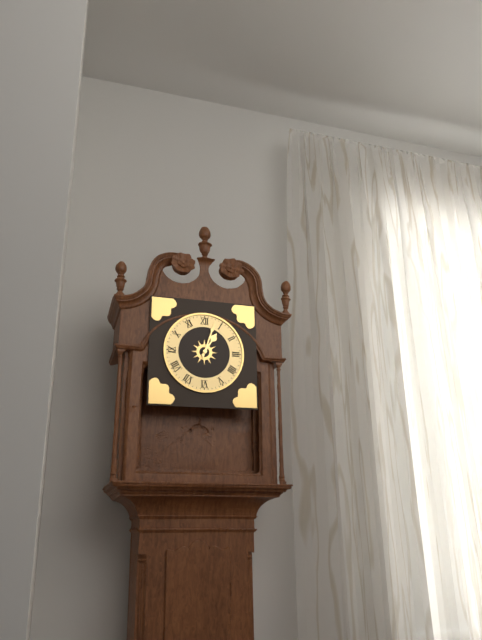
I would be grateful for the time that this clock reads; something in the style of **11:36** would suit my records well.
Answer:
**1:03**
